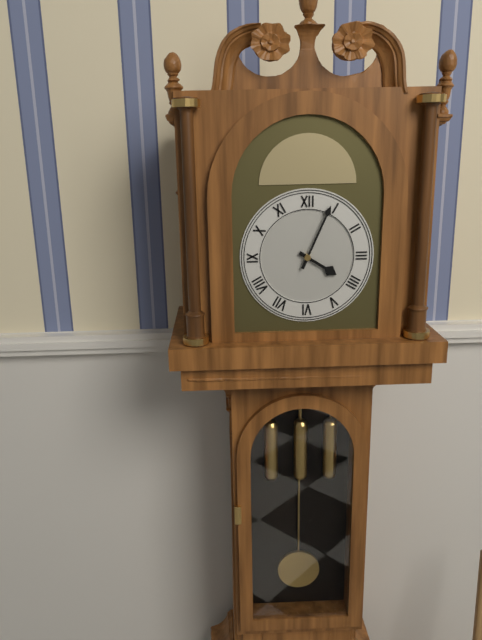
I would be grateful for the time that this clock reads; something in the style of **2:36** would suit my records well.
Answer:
**4:04**
